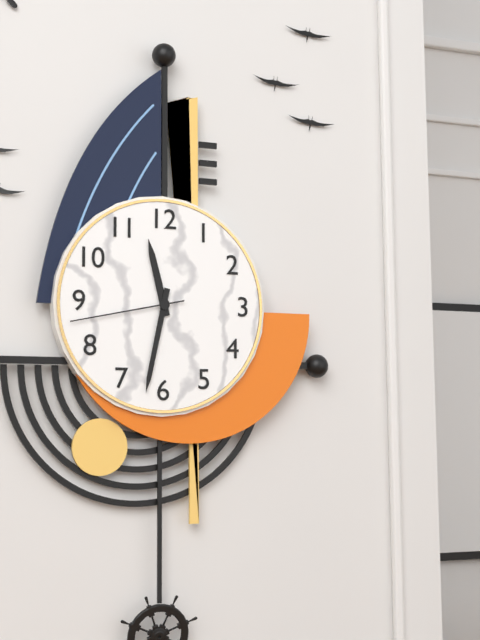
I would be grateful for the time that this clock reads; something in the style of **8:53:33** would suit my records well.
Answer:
**11:32:43**
